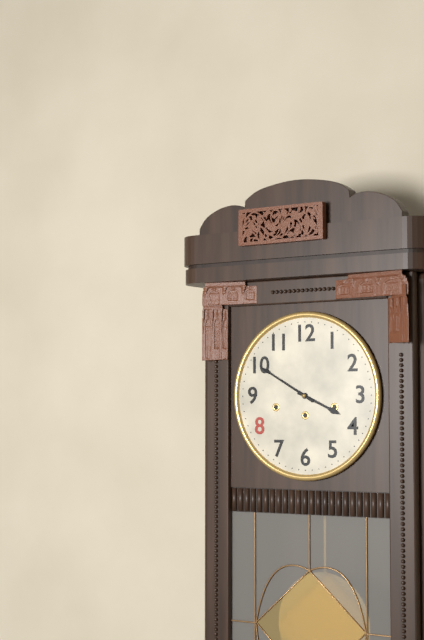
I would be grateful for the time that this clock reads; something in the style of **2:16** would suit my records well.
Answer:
**3:50**
